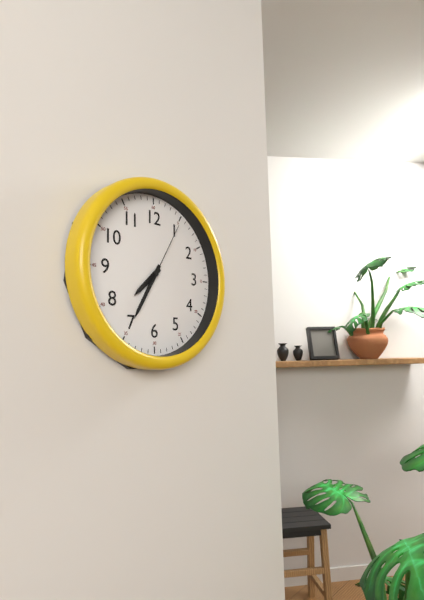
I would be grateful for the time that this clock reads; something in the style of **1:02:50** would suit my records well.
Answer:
**7:35:05**
